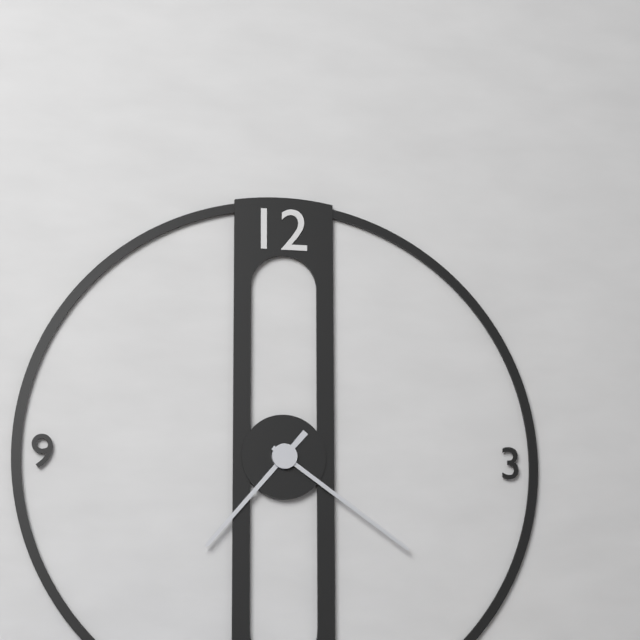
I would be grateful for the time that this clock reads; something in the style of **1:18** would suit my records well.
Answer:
**7:21**
